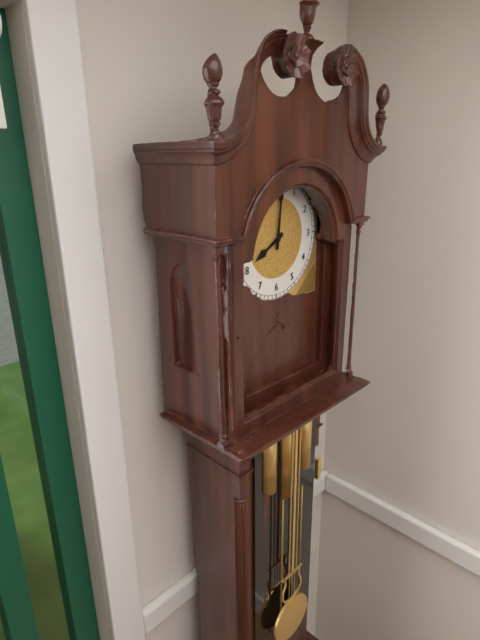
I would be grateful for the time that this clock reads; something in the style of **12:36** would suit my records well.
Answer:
**8:01**
